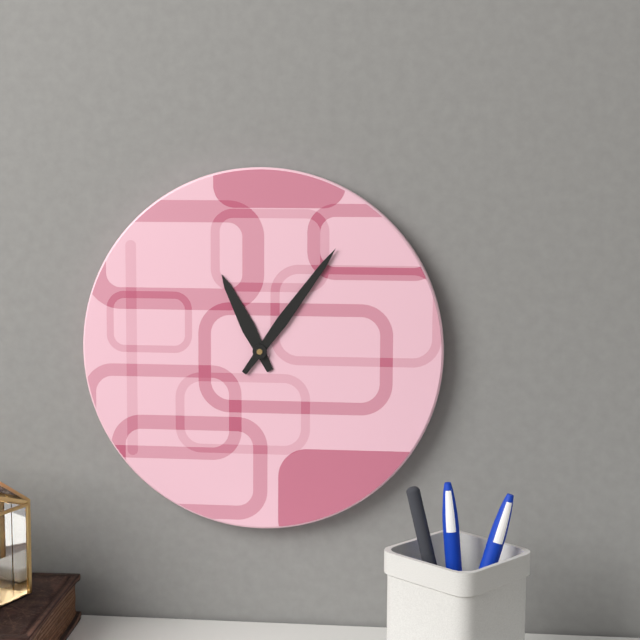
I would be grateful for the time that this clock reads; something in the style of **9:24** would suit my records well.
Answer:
**11:06**
